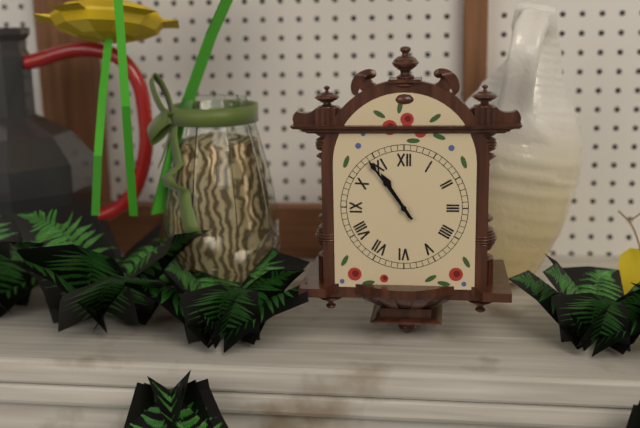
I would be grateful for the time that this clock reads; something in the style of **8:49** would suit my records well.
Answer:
**10:54**
